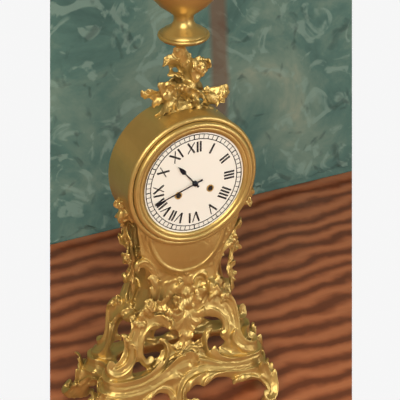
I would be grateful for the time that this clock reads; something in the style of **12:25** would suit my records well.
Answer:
**10:42**
